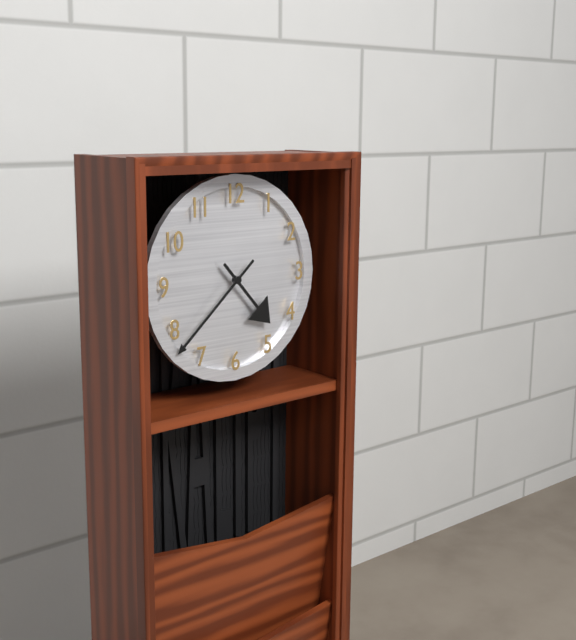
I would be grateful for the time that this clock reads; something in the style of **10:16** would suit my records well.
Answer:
**4:38**
